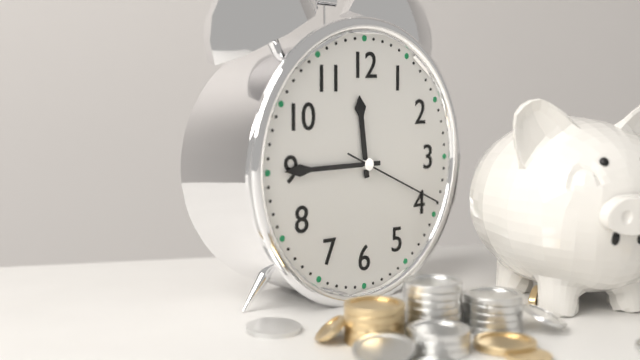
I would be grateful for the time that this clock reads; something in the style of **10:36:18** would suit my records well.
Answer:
**11:45:19**
